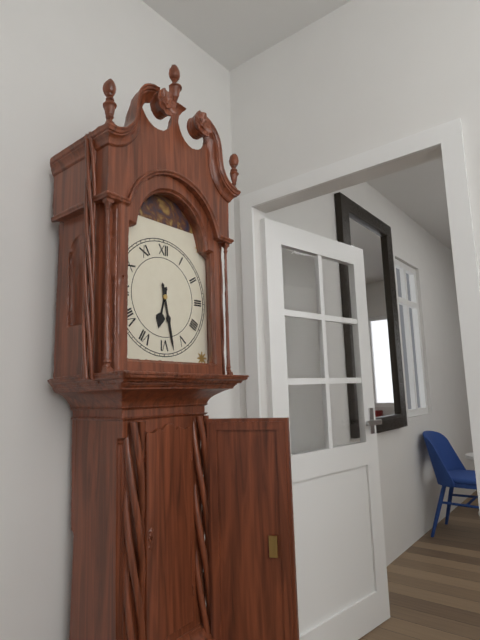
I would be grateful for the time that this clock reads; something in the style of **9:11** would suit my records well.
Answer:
**6:28**
